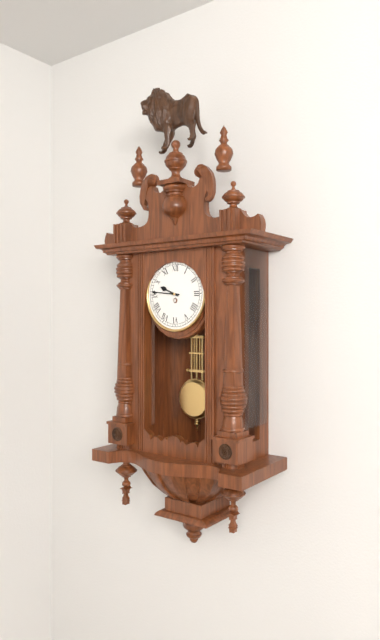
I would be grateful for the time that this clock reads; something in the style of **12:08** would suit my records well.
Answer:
**9:46**
